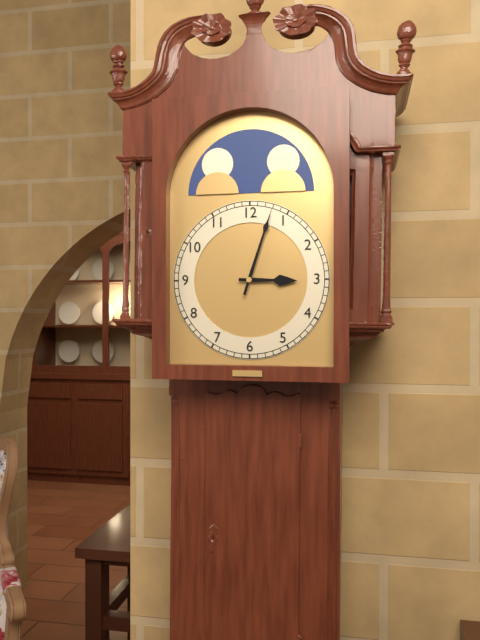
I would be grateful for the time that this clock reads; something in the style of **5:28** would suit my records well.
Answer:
**3:03**
